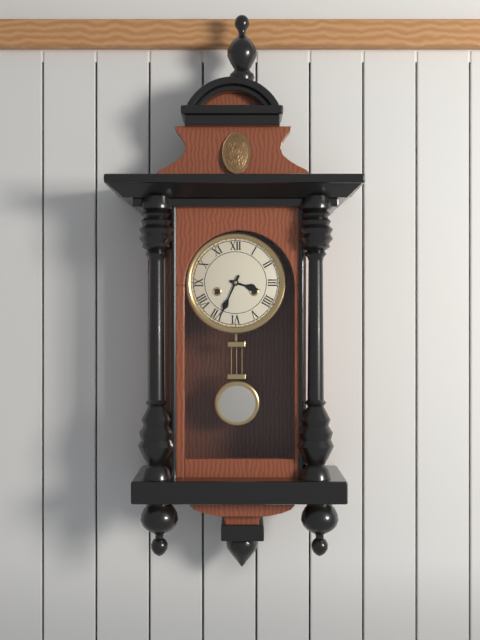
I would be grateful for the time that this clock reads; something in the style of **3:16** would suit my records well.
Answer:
**3:34**
